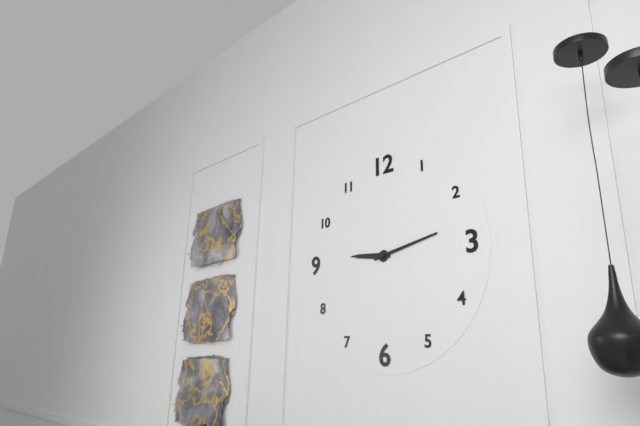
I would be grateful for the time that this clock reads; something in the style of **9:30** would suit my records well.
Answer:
**9:13**
